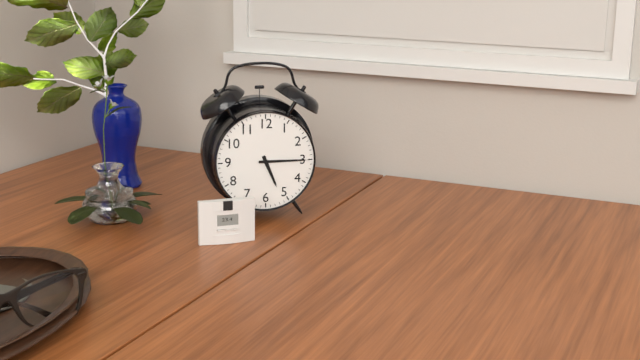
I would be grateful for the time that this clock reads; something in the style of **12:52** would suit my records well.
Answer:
**5:15**
